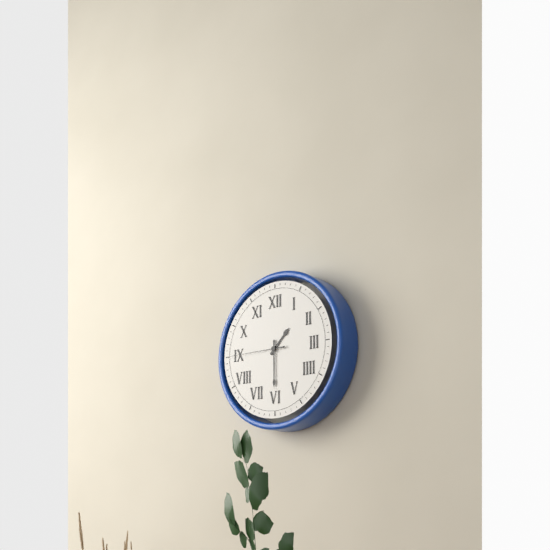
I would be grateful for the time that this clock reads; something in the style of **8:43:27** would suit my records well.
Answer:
**1:30:45**
